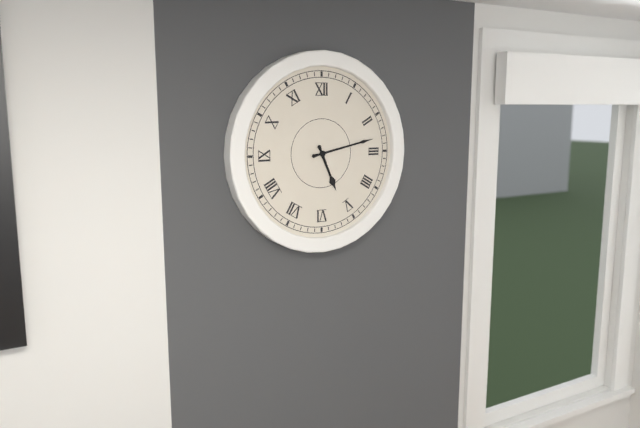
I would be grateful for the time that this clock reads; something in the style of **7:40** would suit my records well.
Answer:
**5:13**
